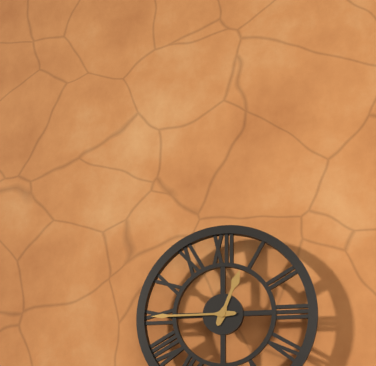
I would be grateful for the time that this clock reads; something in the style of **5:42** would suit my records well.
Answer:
**12:45**
